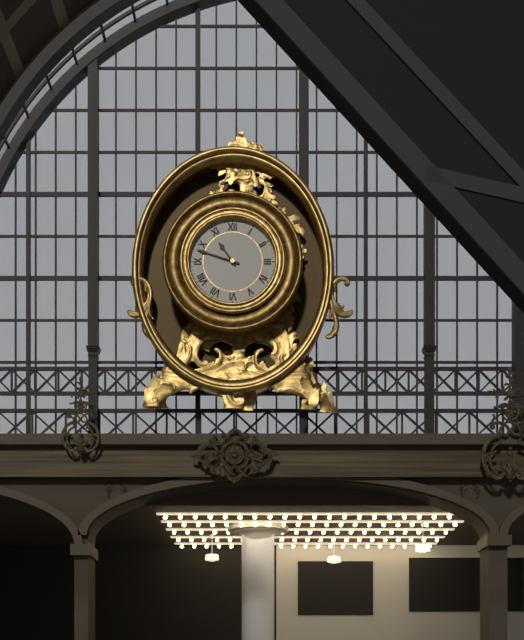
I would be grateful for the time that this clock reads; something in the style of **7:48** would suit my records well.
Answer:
**10:48**
